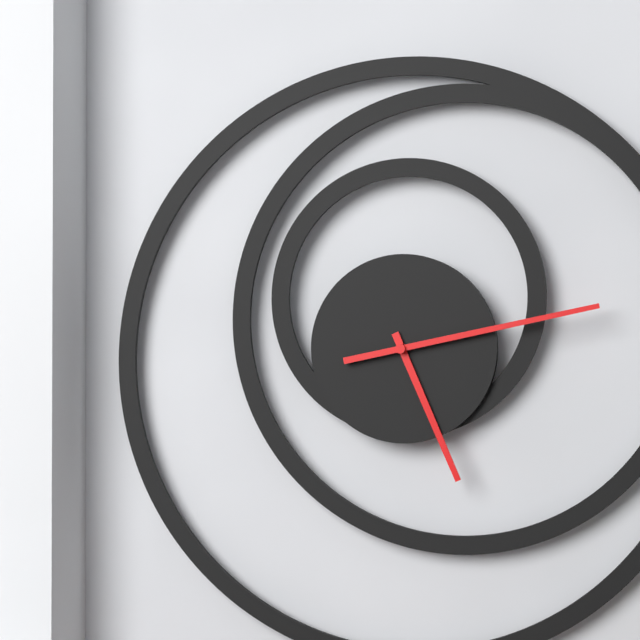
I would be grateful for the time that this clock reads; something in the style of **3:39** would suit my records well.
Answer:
**5:13**
